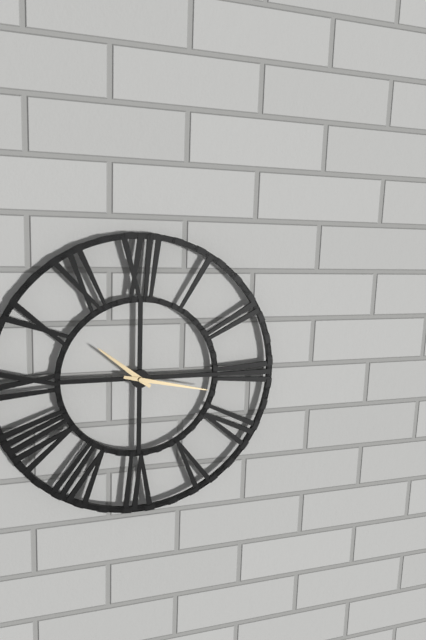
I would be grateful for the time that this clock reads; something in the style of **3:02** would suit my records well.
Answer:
**10:17**
